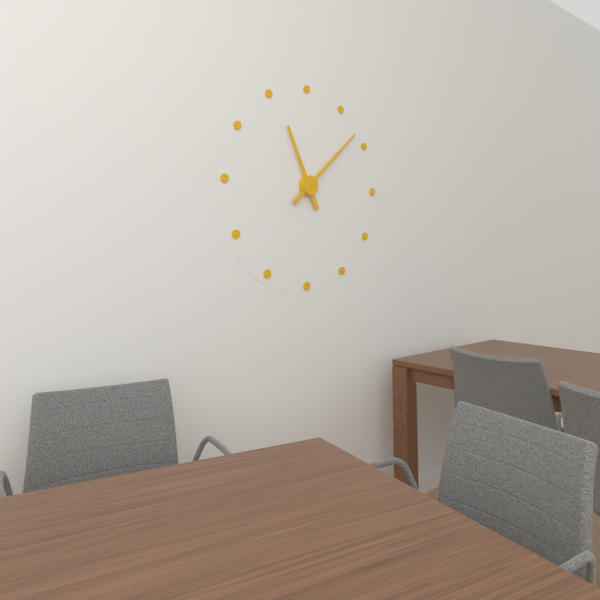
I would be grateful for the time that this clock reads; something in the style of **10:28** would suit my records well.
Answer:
**11:08**
